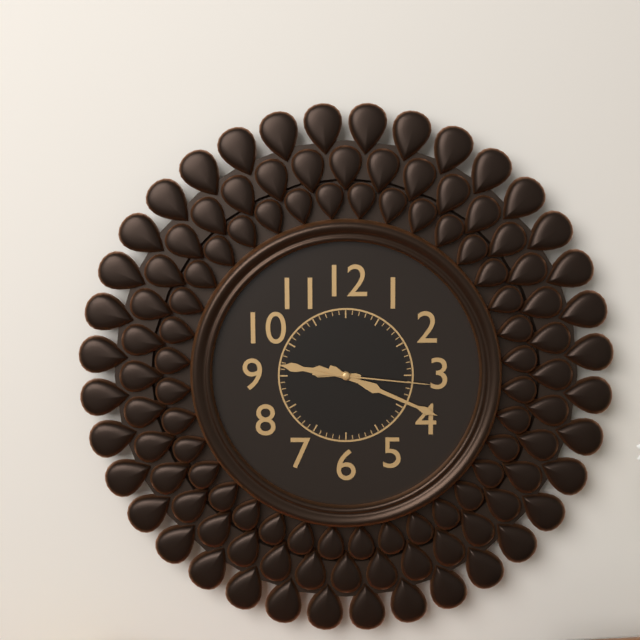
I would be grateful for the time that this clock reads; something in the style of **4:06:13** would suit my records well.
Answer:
**9:19:16**
